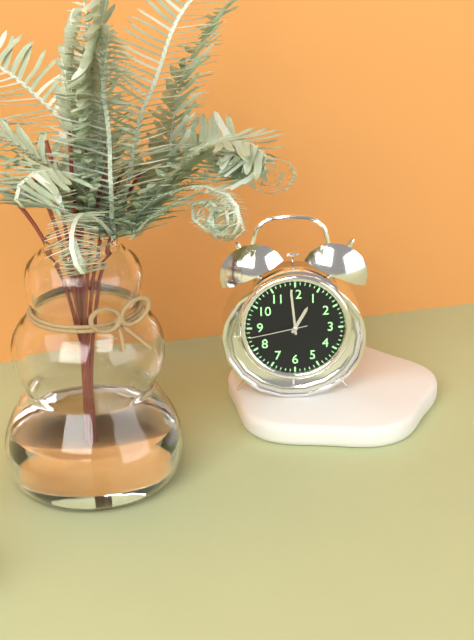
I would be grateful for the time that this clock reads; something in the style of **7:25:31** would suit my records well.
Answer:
**12:59:43**
